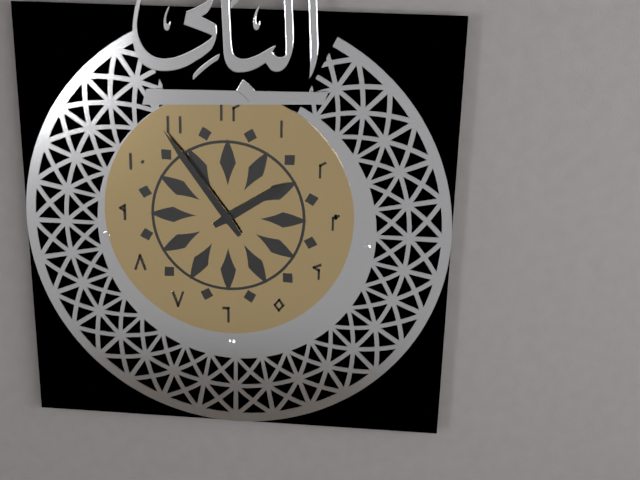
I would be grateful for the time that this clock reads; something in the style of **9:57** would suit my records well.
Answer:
**1:54**
